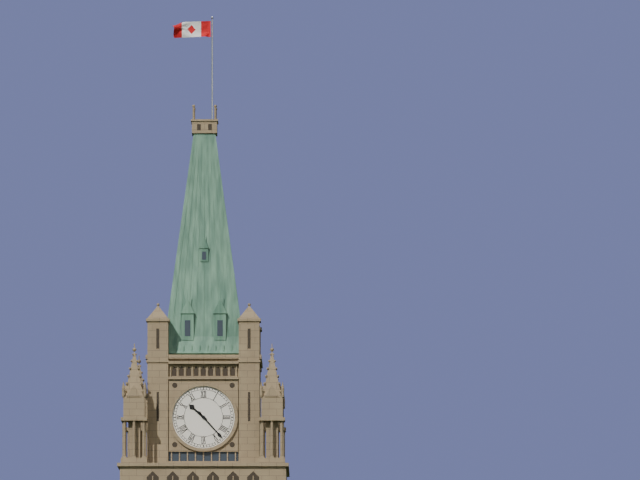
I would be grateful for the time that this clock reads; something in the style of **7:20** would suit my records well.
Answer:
**10:23**
